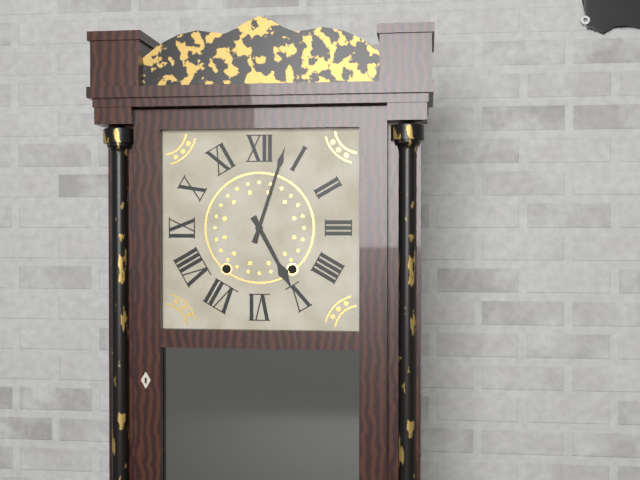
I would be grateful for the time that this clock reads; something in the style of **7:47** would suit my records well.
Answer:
**5:03**
